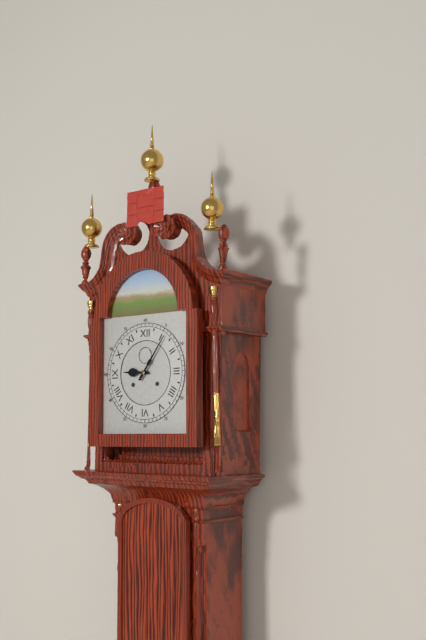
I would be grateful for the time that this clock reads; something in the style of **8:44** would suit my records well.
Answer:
**9:06**
